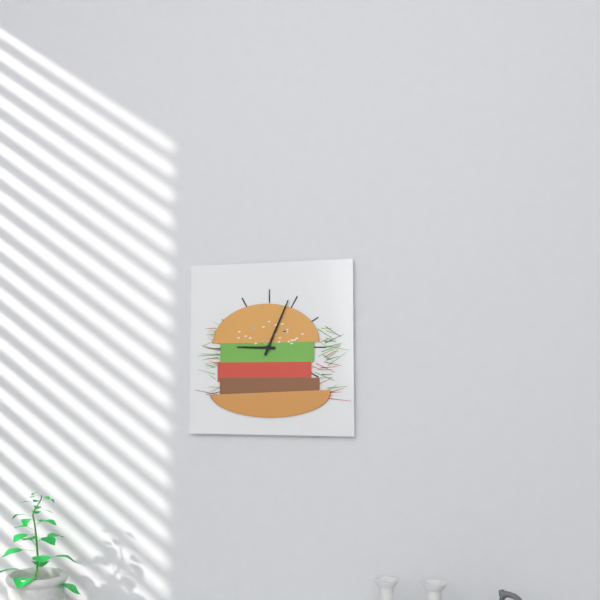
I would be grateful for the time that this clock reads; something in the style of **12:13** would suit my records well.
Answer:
**9:04**
